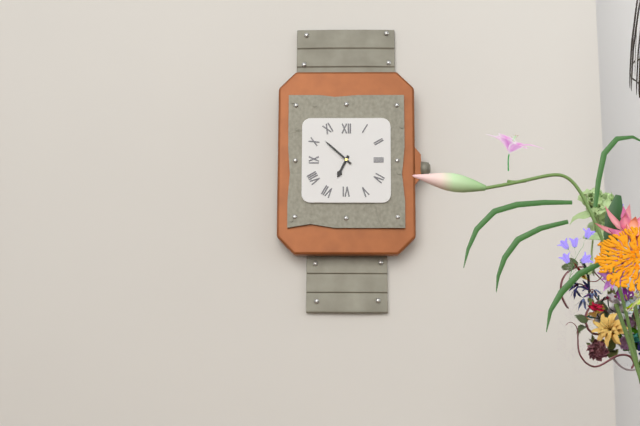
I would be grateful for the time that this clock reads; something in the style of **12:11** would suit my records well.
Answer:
**6:52**
